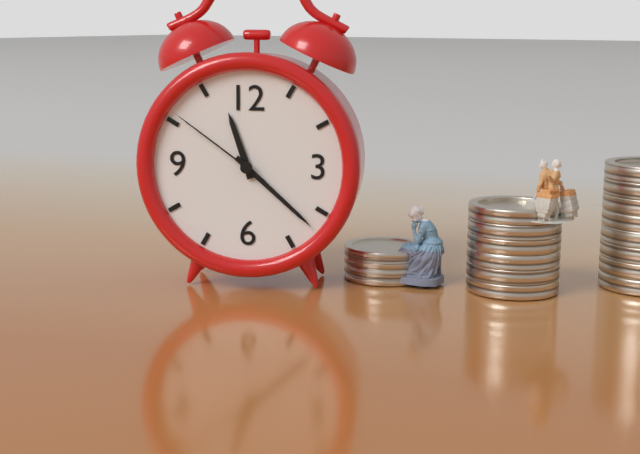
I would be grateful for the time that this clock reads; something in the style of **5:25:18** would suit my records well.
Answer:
**11:22:51**
